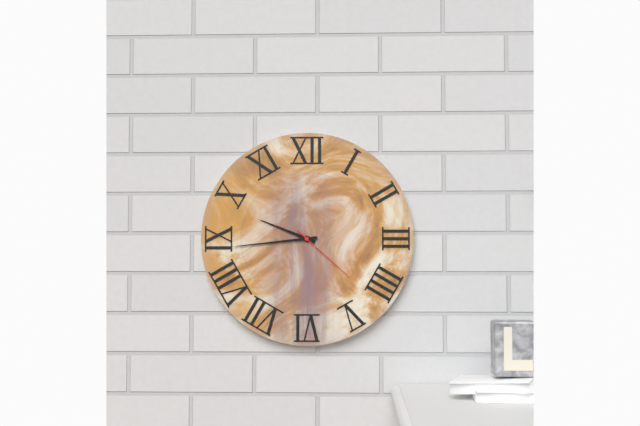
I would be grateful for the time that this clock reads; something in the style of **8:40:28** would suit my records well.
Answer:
**9:44:22**
